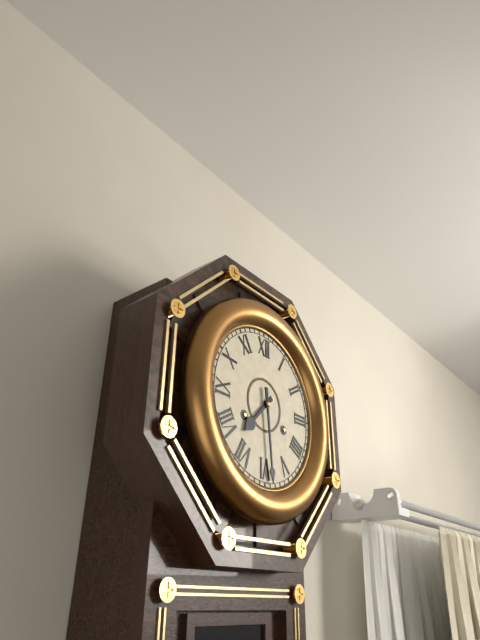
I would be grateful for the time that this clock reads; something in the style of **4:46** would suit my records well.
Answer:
**7:29**
